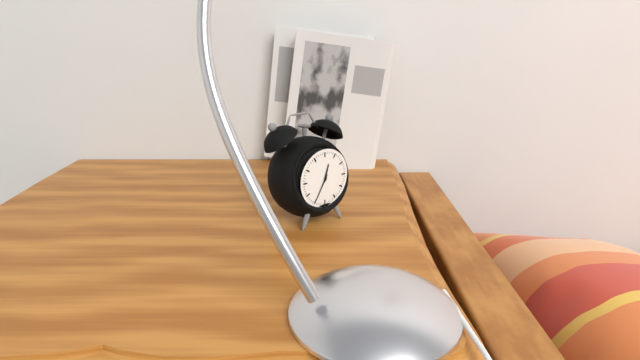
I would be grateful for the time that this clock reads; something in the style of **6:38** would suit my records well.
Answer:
**12:35**
